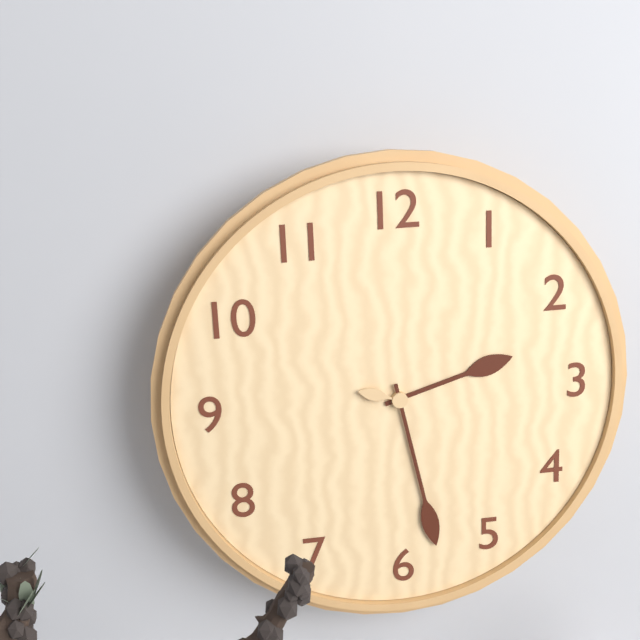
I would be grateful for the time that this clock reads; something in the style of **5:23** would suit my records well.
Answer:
**2:28**
